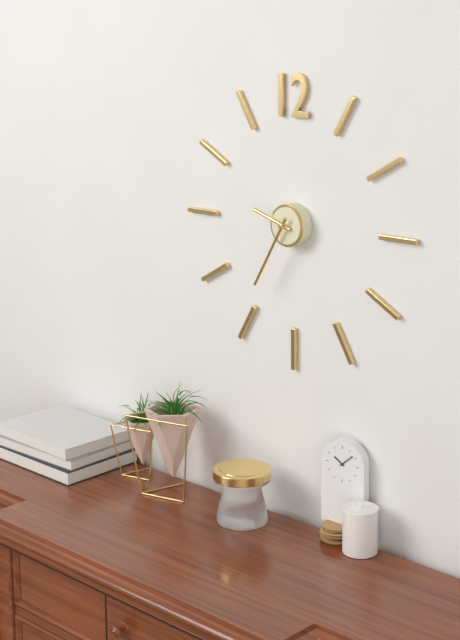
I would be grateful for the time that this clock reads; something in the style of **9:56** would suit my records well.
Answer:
**9:35**
